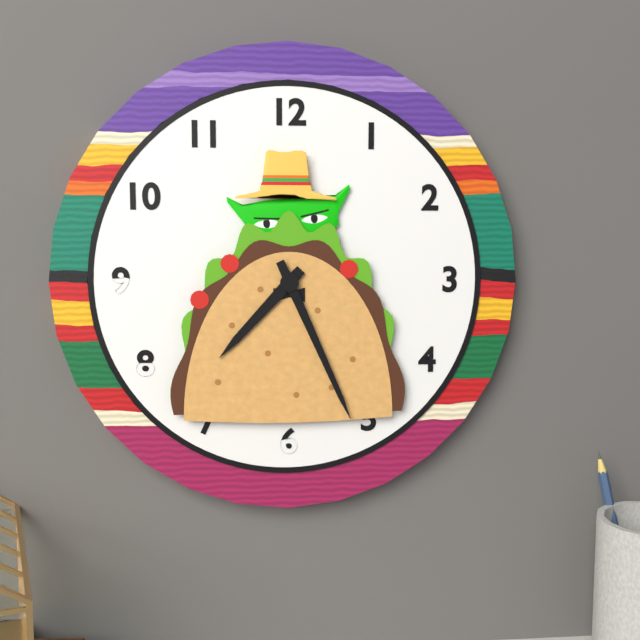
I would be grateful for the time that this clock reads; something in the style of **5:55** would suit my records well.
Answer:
**7:26**
